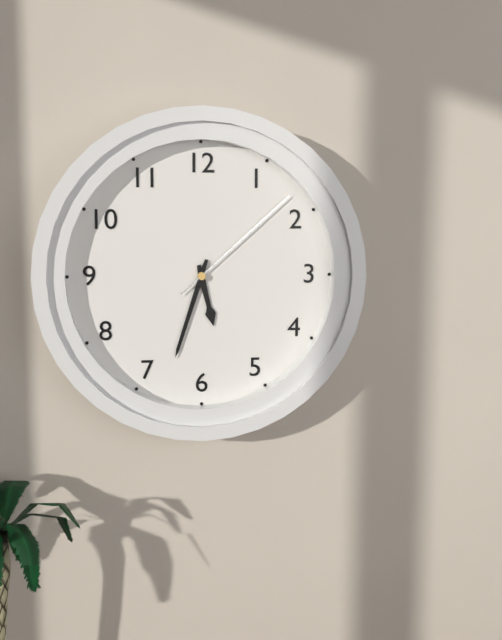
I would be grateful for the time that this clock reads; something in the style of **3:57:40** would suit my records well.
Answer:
**5:33:08**
